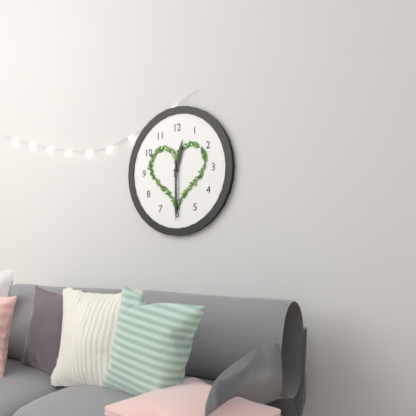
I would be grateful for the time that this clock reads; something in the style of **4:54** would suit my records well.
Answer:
**12:30**
